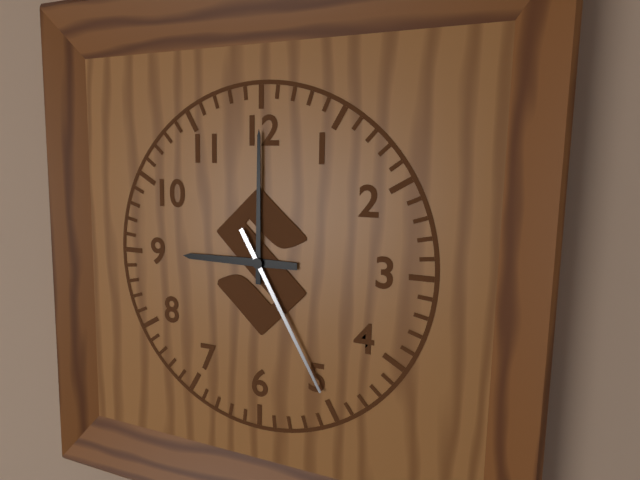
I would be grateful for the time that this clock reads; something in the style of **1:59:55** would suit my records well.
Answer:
**9:00:25**
